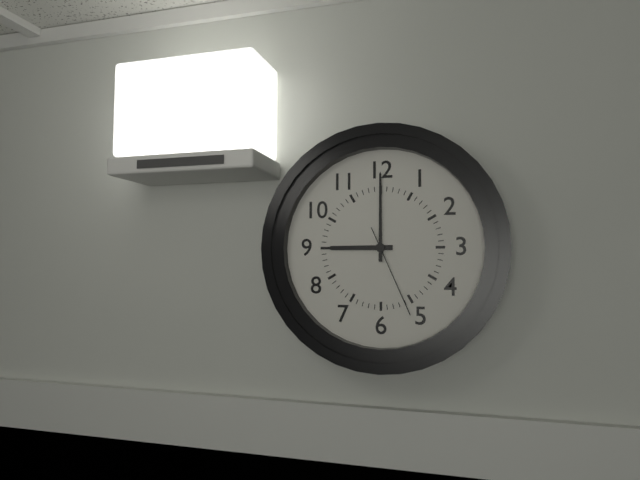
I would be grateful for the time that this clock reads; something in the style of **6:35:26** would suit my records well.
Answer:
**9:00:26**
